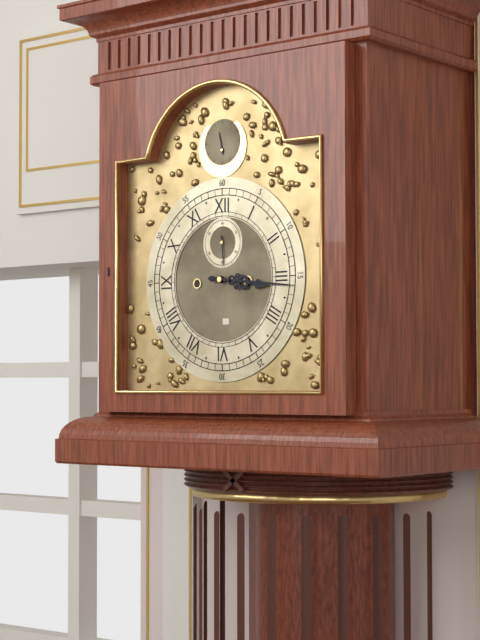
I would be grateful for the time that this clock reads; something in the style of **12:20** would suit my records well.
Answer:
**3:16**
